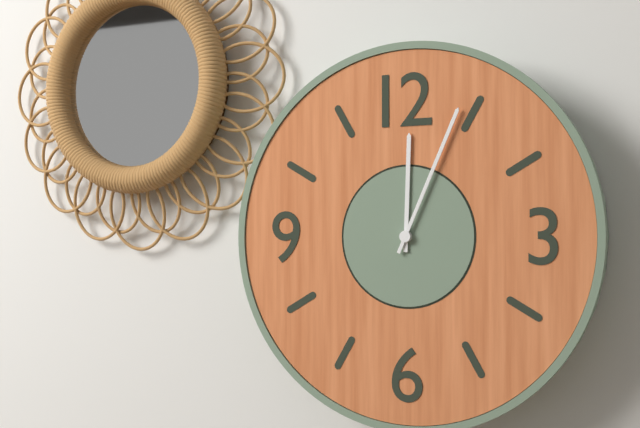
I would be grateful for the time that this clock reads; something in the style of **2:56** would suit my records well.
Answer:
**12:04**
